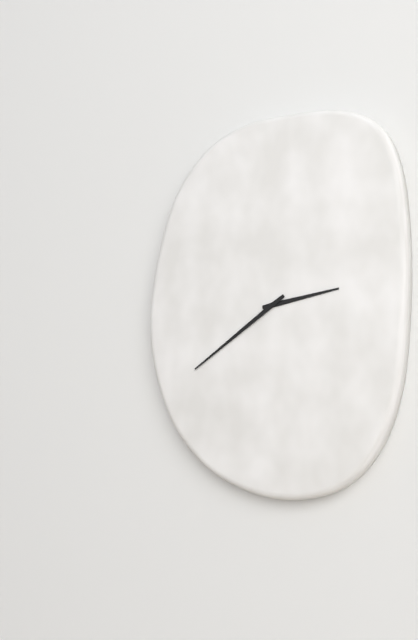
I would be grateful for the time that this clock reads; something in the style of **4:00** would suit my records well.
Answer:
**2:39**
